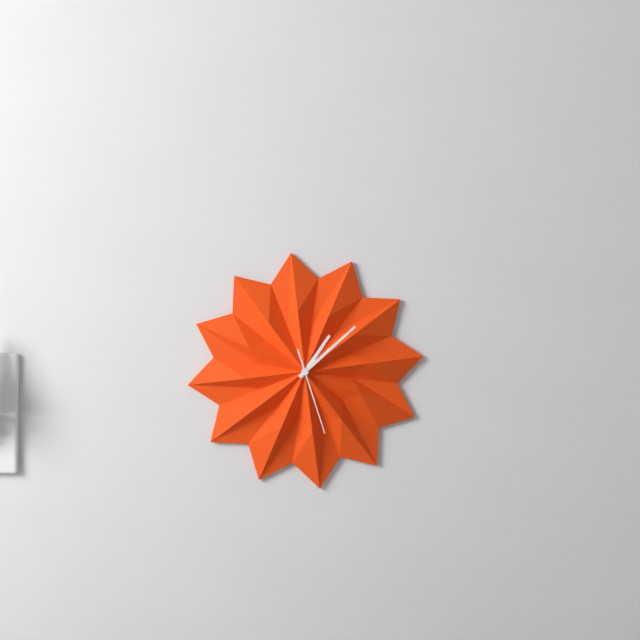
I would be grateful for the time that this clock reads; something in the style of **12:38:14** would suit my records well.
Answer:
**1:08:27**
